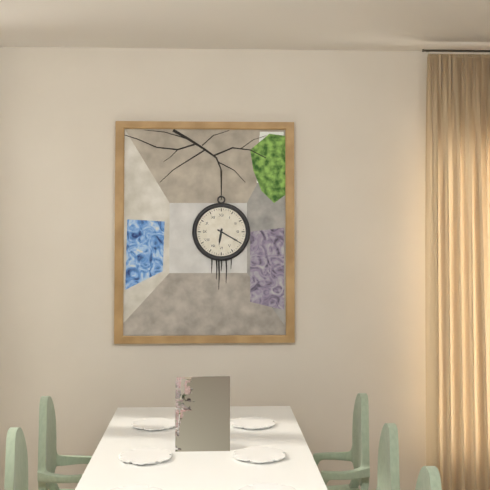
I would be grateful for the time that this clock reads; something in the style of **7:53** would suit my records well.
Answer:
**6:20**
